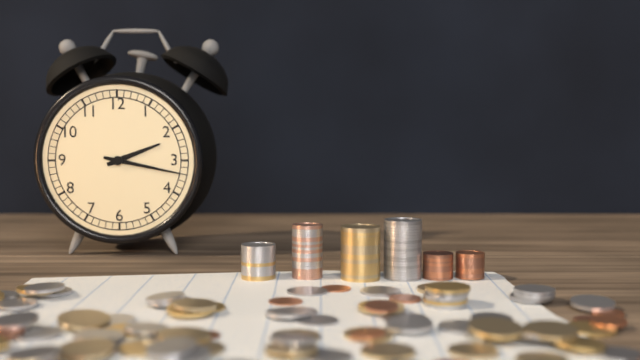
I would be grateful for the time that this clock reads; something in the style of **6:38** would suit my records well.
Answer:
**2:17**
